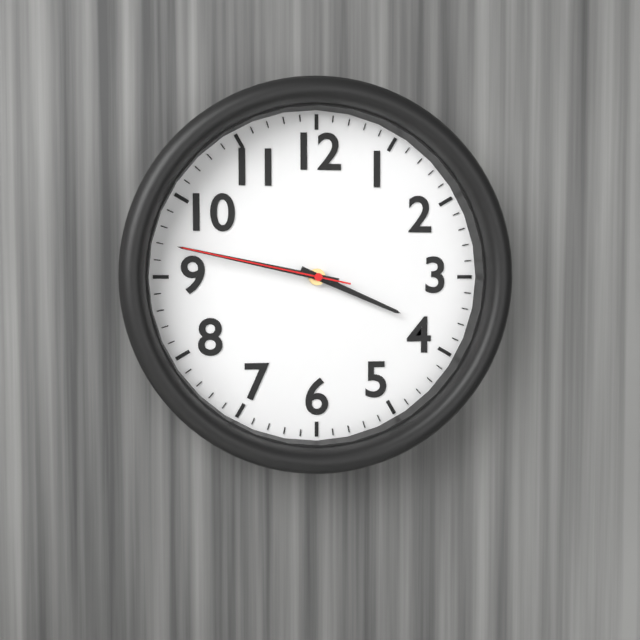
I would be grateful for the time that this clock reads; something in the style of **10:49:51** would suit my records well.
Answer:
**3:47:47**
